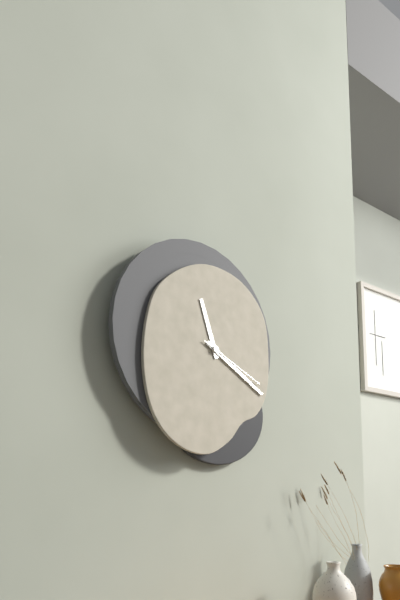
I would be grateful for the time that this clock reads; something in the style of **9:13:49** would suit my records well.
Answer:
**11:20:19**
